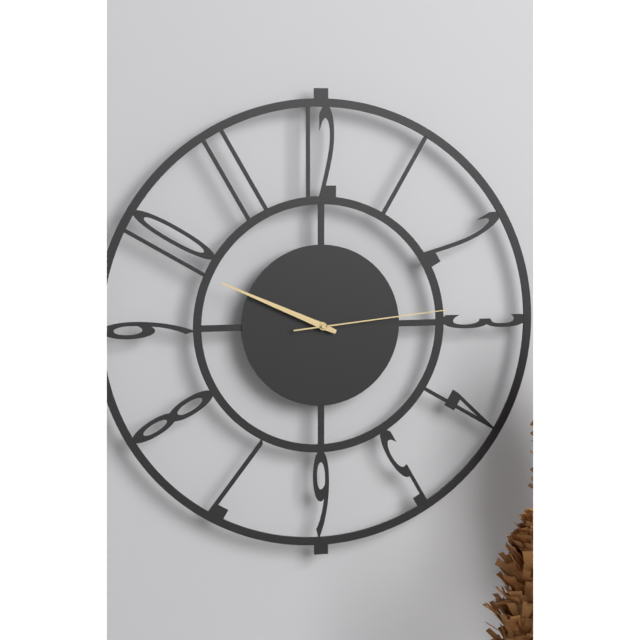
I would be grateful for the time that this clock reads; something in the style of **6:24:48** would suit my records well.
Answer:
**9:49:14**
